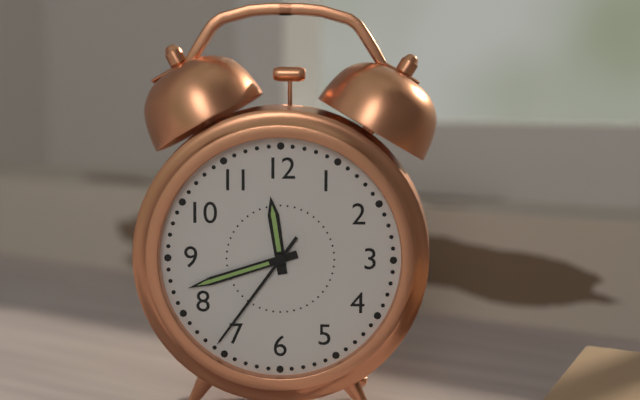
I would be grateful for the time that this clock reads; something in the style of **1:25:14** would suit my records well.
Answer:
**11:42:36**
